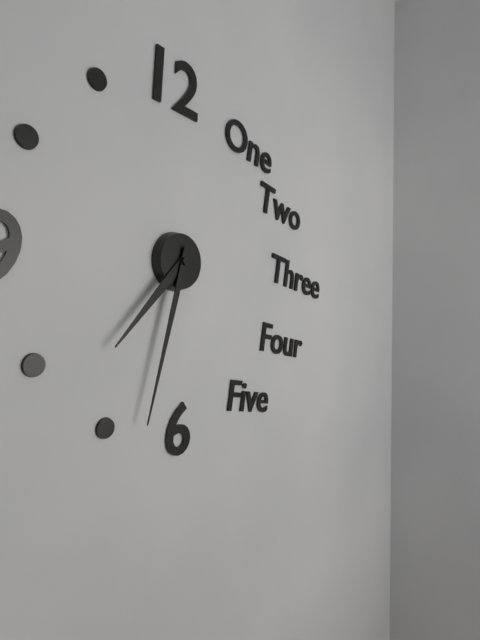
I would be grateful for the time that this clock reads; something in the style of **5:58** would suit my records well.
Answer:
**7:33**
